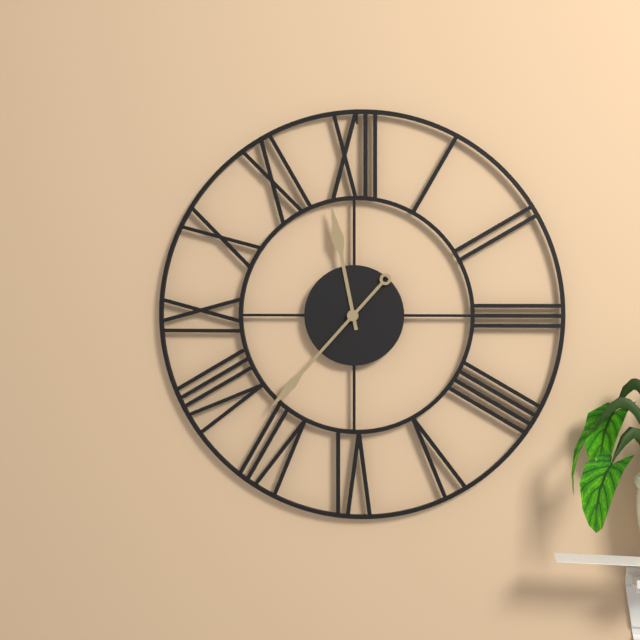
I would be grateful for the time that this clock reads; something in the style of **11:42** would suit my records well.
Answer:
**11:37**
